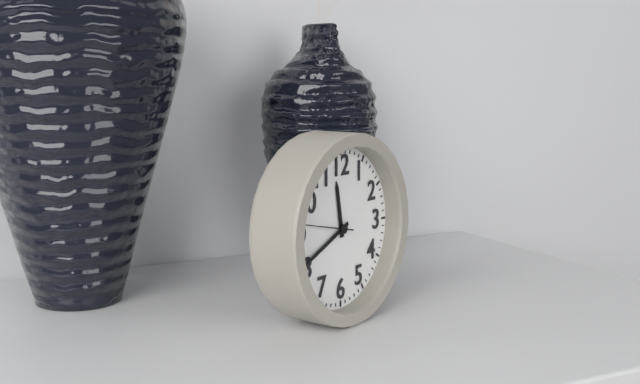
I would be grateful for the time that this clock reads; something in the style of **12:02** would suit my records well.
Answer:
**11:41**
